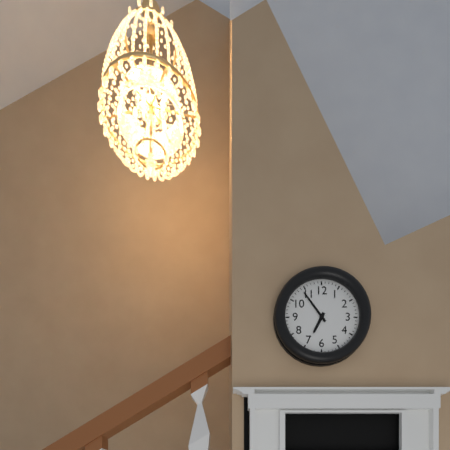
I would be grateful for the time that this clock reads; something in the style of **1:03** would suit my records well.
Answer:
**6:54**
